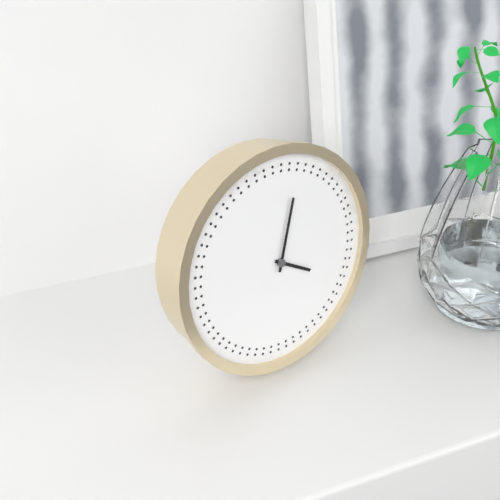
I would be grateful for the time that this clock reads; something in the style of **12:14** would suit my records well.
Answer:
**4:03**
